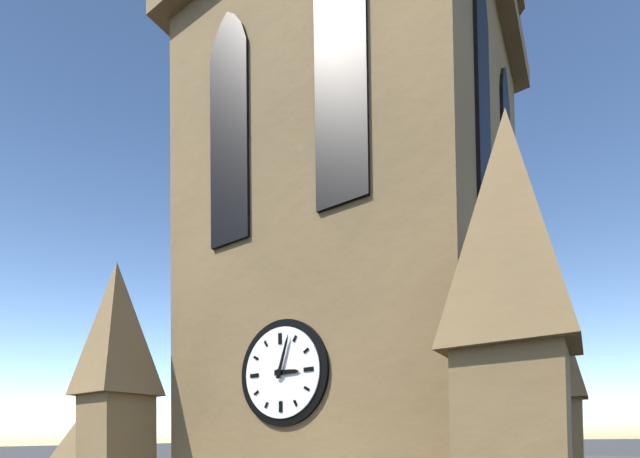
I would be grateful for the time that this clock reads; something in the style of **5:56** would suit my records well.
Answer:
**3:03**
